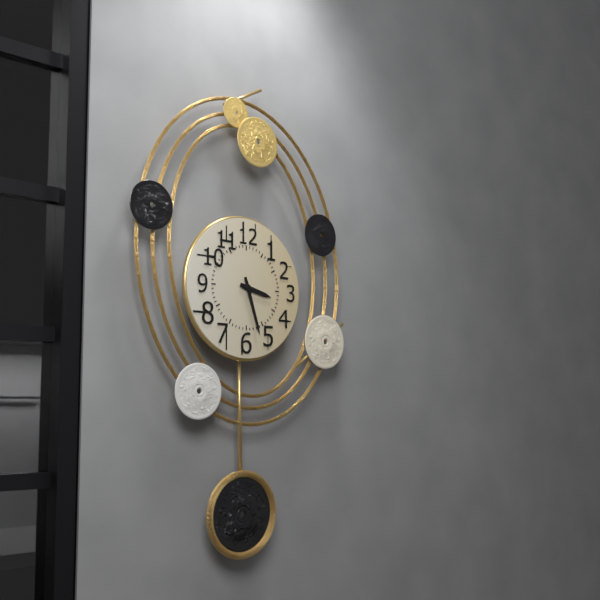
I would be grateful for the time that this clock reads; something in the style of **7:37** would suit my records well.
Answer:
**3:27**
